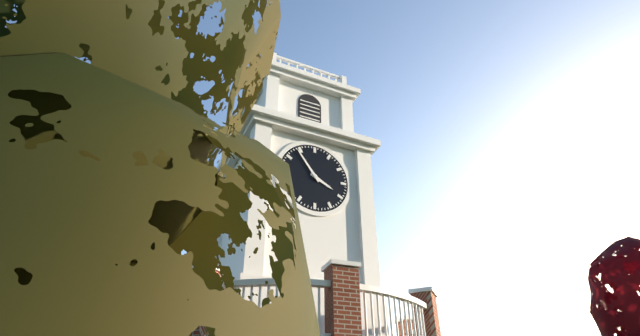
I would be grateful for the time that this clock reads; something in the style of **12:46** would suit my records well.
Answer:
**3:54**
